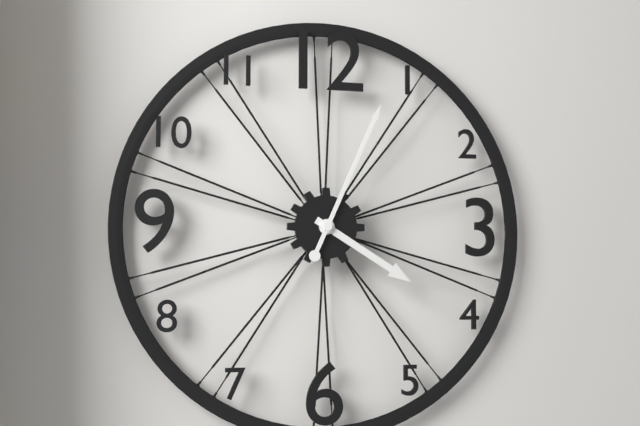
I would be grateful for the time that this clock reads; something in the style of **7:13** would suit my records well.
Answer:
**4:04**
